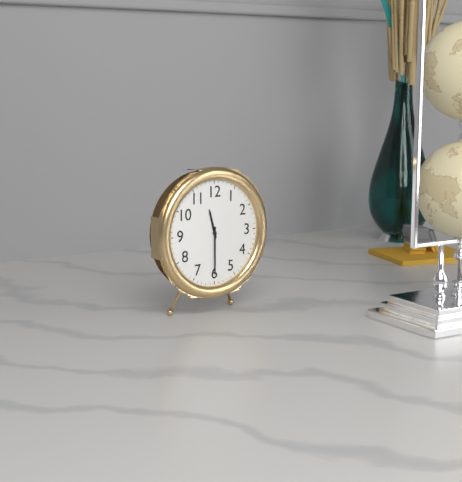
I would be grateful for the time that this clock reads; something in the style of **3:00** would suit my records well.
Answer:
**11:30**
